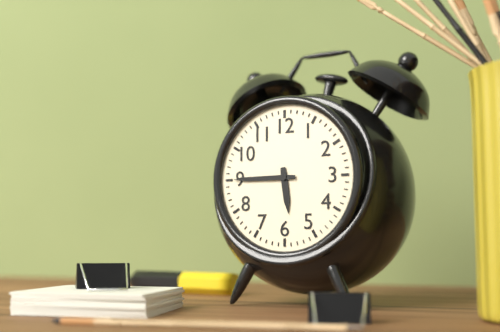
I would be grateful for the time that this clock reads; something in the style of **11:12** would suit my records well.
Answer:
**5:45**
